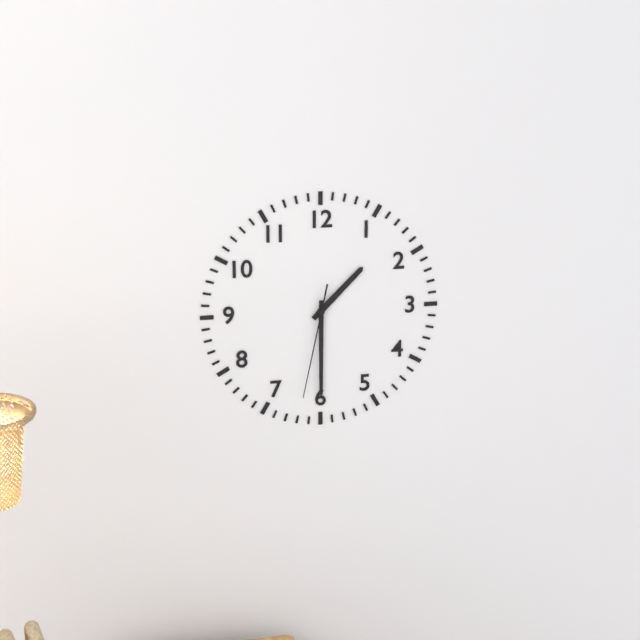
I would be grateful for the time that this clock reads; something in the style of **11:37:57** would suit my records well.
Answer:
**1:30:32**
